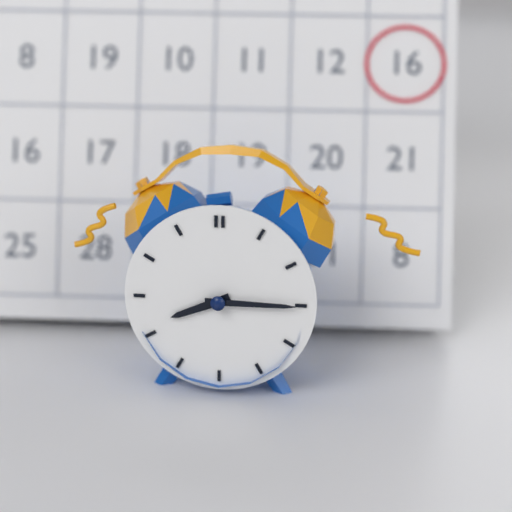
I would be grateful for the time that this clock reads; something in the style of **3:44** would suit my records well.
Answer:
**8:15**
